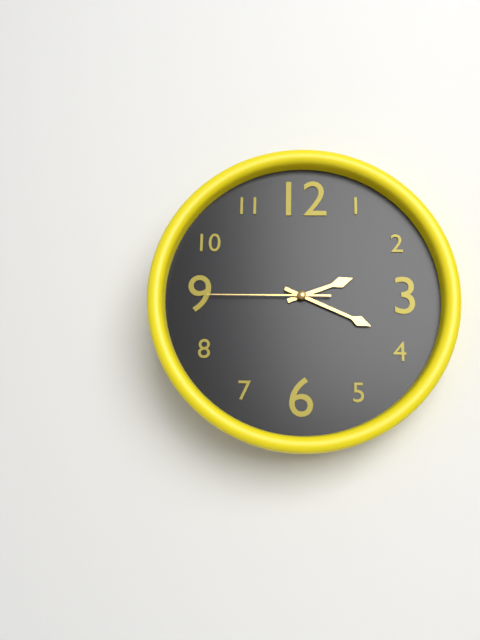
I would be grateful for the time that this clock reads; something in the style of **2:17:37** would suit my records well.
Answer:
**2:19:45**
